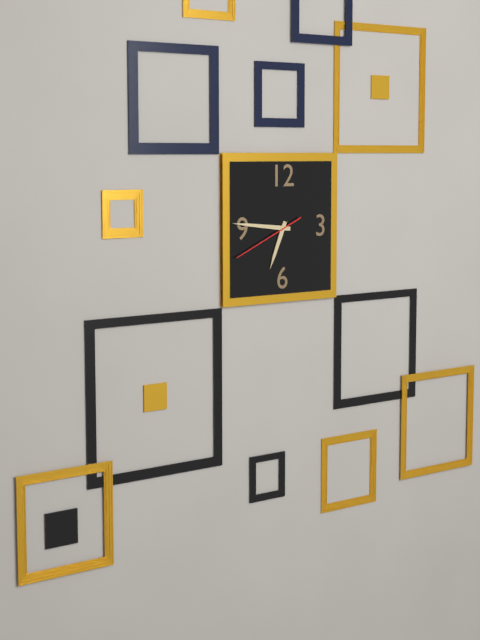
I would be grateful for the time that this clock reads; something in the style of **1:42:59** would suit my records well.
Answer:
**6:46:41**
